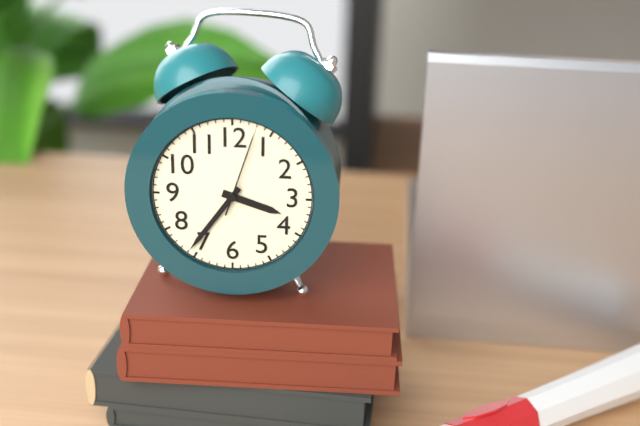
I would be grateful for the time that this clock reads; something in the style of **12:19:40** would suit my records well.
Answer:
**3:36:03**
